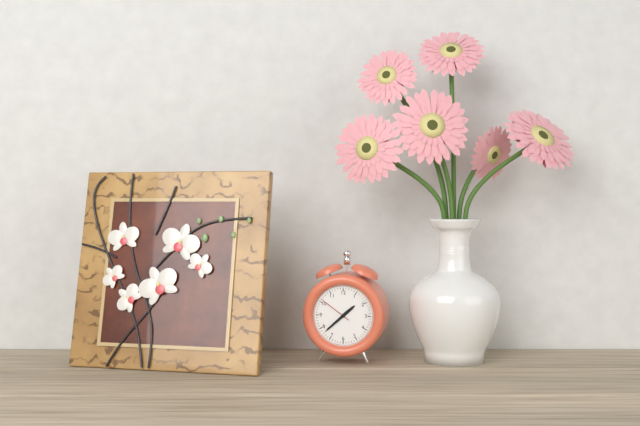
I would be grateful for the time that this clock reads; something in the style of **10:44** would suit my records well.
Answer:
**1:38**
